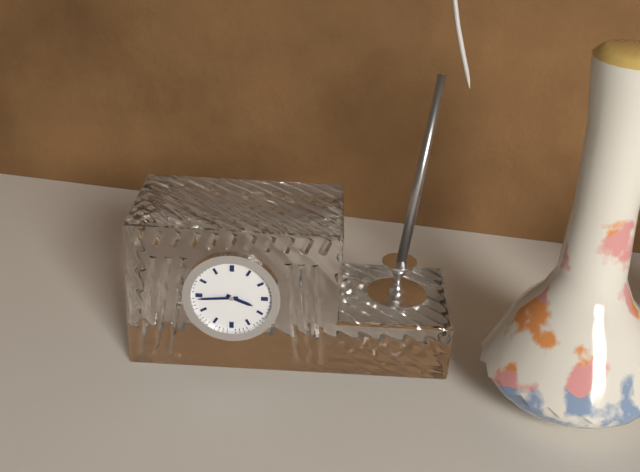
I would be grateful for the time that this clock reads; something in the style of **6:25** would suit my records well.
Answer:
**3:44**
